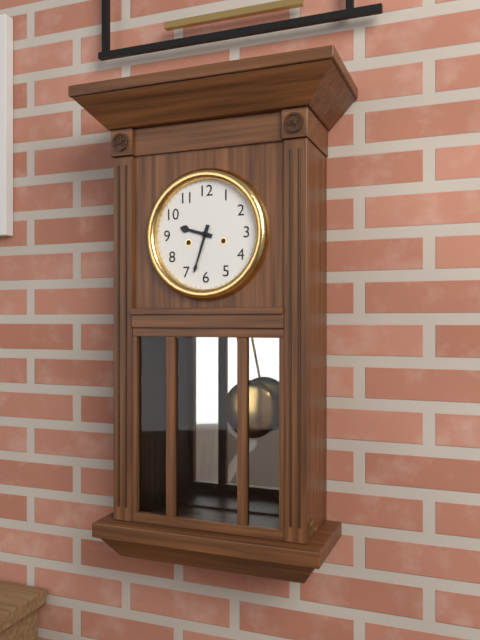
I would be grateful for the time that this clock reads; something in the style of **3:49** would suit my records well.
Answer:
**9:33**
